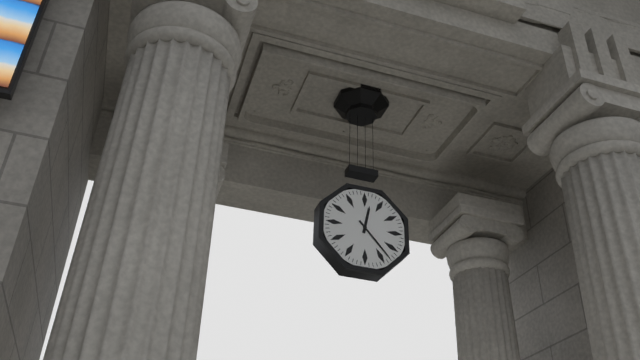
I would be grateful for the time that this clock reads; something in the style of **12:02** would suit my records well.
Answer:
**12:23**
